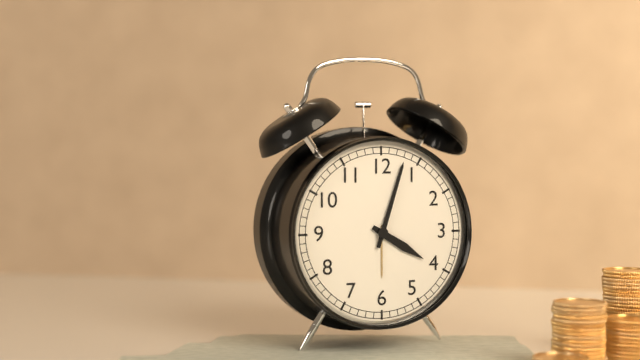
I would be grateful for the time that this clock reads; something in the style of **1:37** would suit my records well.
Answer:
**4:03**
